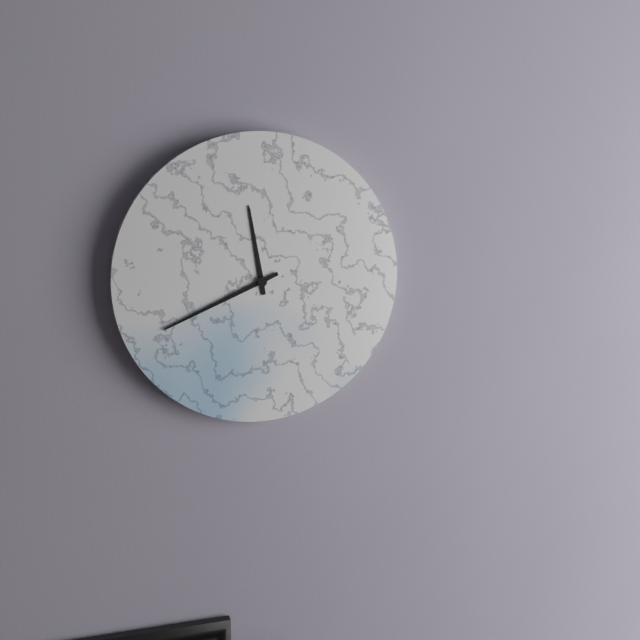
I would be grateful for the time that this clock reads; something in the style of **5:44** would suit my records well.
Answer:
**11:41**
